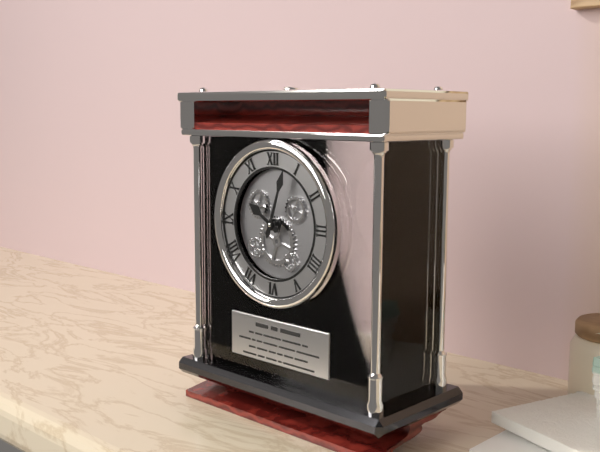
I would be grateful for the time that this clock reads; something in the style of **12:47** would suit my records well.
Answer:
**10:03**
